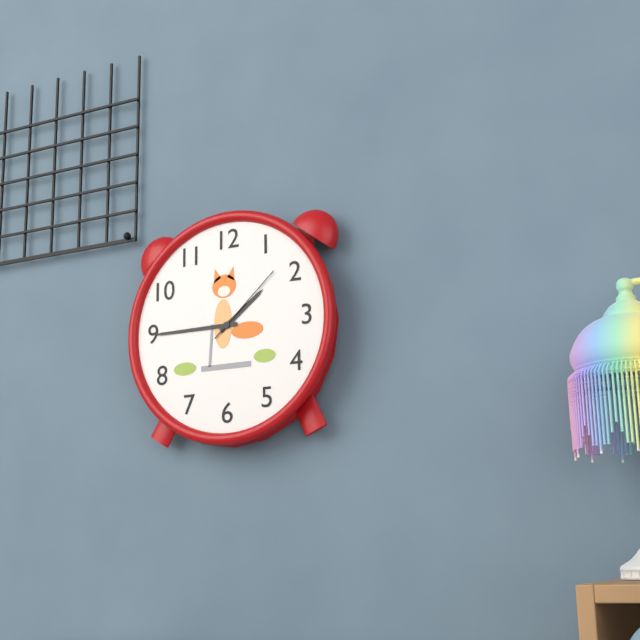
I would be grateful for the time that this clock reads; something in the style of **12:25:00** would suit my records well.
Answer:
**1:45:08**
